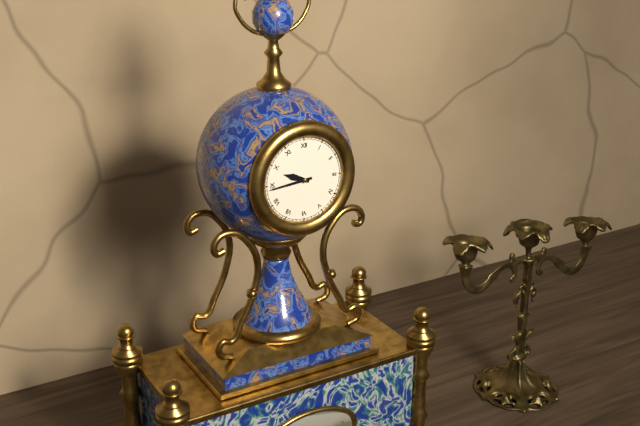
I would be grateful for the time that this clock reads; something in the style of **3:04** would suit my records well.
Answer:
**9:44**
